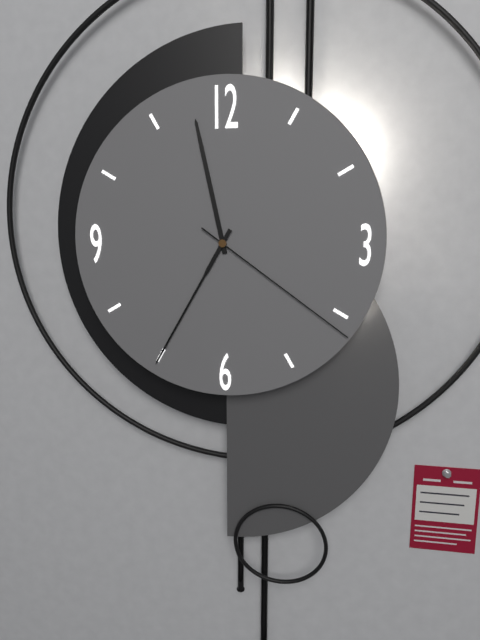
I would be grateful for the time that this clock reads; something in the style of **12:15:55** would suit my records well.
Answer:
**11:35:21**
